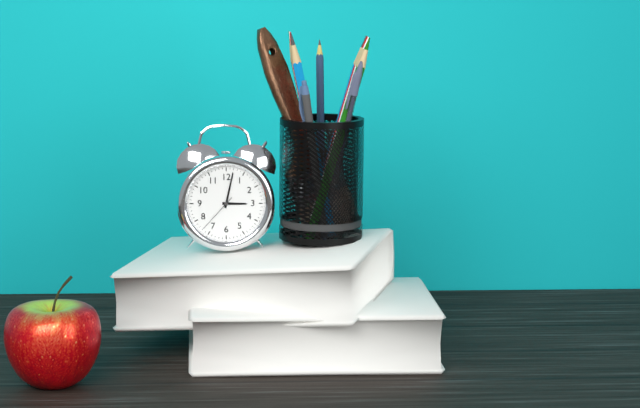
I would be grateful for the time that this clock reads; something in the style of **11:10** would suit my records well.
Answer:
**3:02**
